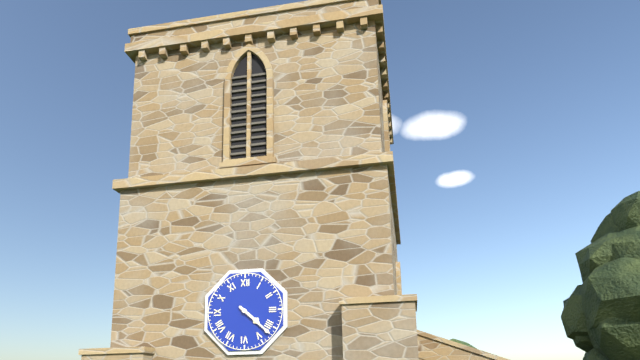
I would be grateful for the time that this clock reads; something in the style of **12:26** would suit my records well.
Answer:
**4:22**
